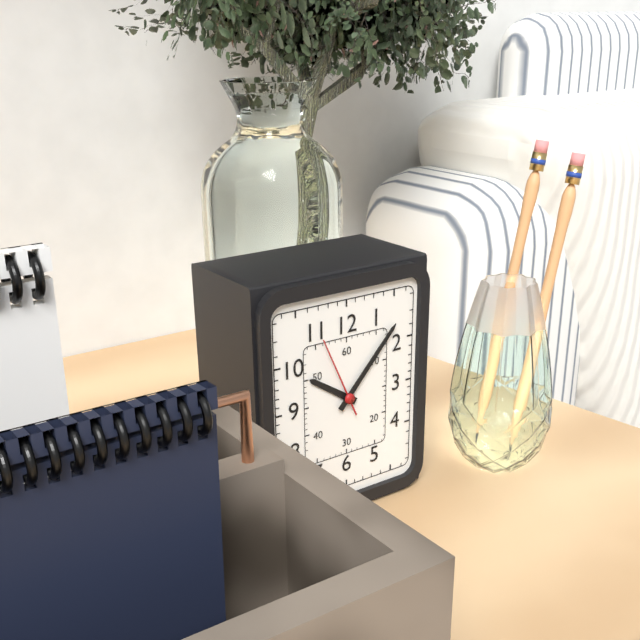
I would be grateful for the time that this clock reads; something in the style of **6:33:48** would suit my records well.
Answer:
**10:07:56**
